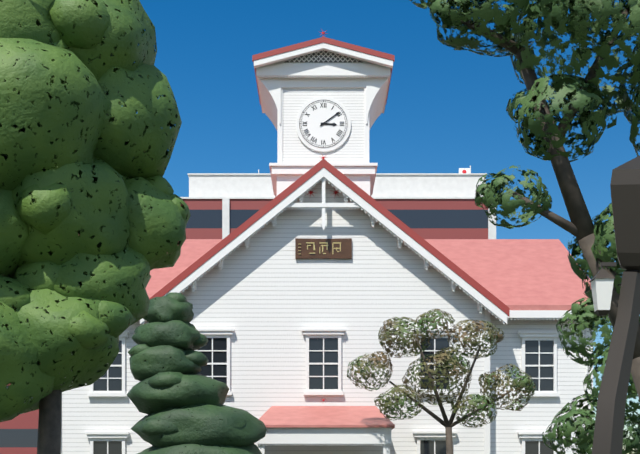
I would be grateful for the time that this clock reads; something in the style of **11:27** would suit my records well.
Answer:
**3:09**
